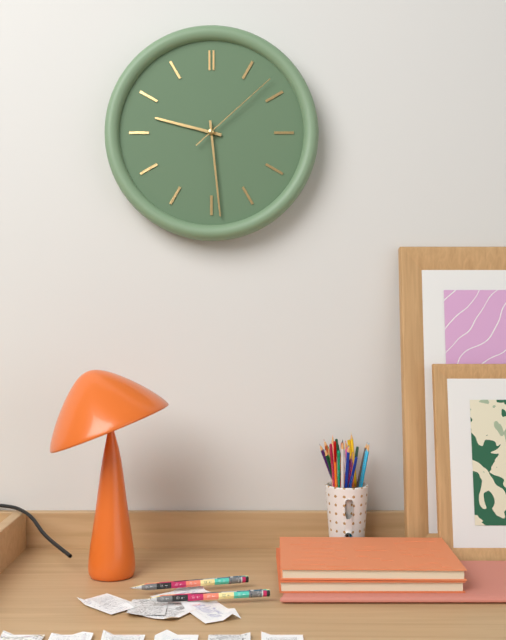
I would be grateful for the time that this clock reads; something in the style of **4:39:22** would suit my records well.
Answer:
**9:29:08**
